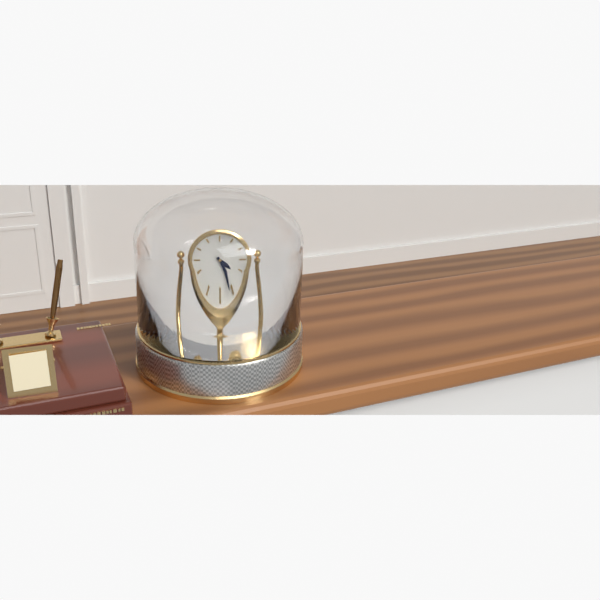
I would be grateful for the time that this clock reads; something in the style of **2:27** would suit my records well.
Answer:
**4:26**
